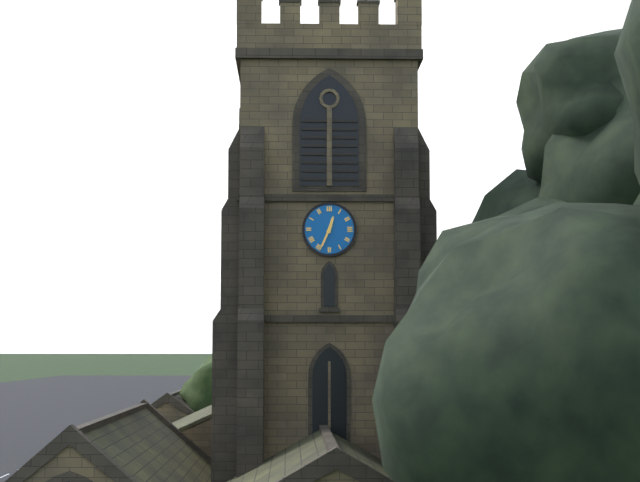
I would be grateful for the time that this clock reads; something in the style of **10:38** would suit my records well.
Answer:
**12:34**
